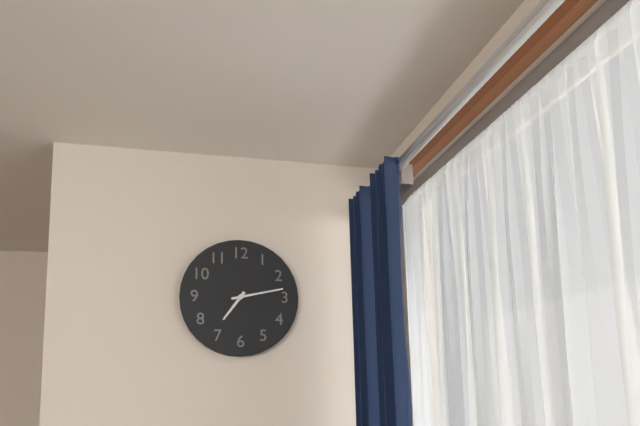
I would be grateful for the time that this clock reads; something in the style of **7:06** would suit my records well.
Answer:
**7:13**
